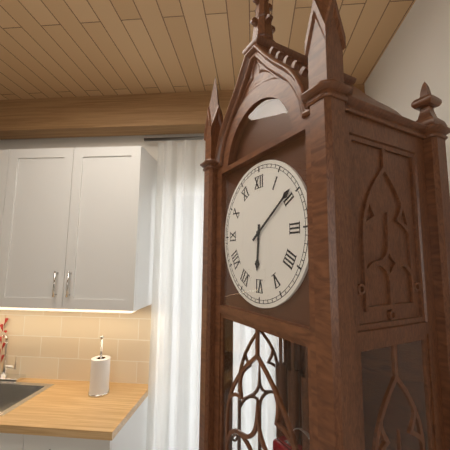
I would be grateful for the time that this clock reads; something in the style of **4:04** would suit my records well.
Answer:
**6:09**
